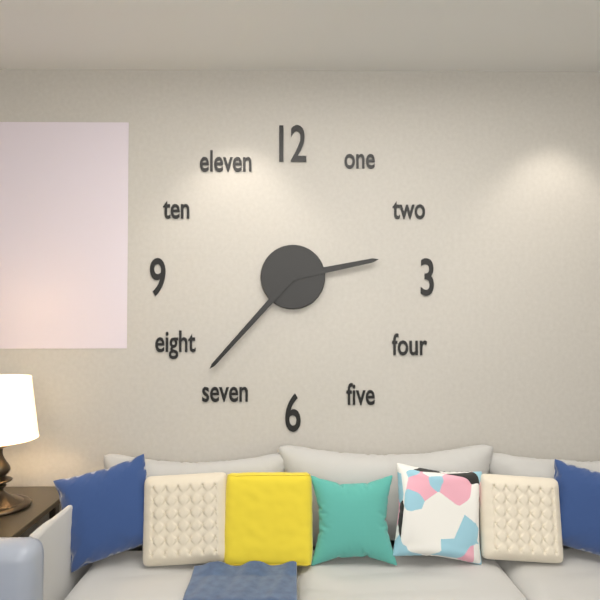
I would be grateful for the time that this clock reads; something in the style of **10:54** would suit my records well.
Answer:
**2:37**
